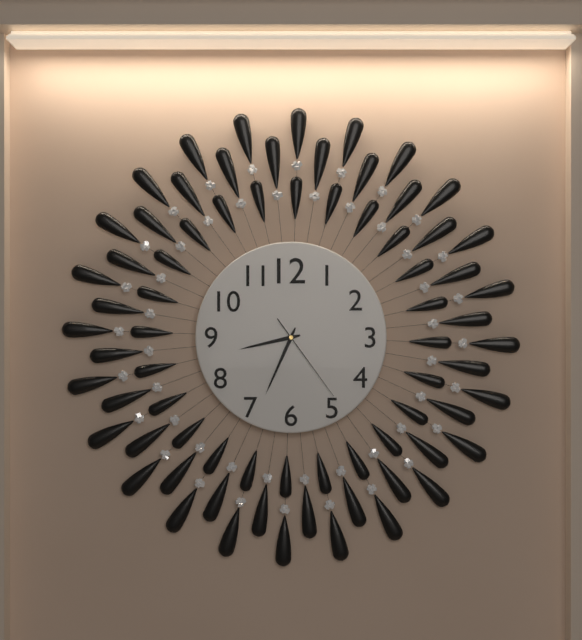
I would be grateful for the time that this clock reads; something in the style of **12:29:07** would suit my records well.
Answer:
**8:34:24**
